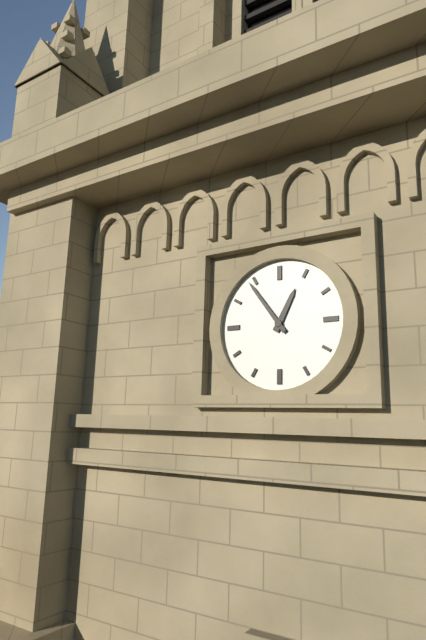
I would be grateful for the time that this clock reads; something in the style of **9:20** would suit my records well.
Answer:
**12:54**
